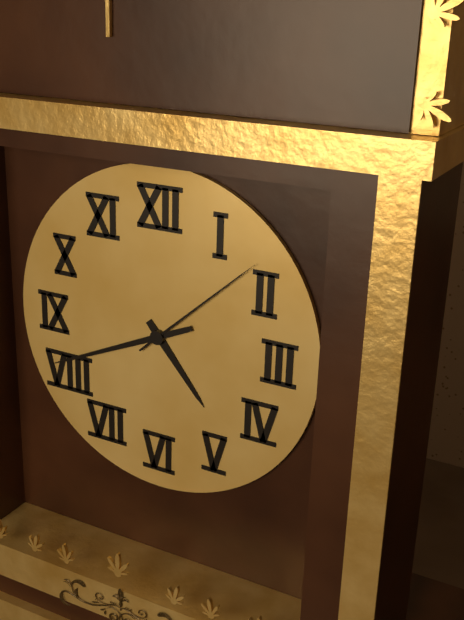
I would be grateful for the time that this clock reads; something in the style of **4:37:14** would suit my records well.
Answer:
**4:41:08**
